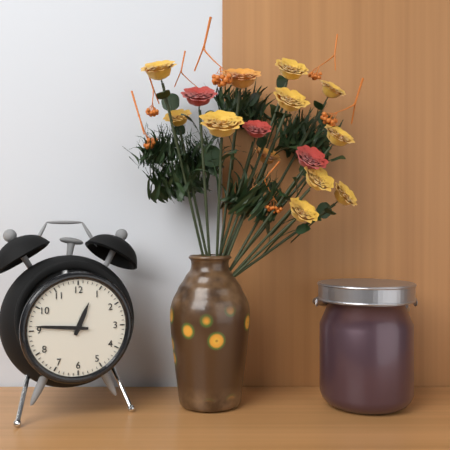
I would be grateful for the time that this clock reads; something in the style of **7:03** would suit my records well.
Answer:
**12:46**
